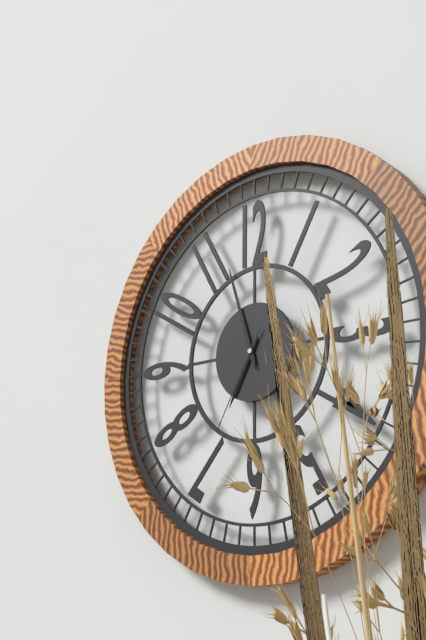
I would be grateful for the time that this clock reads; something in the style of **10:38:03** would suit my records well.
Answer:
**6:57:35**
